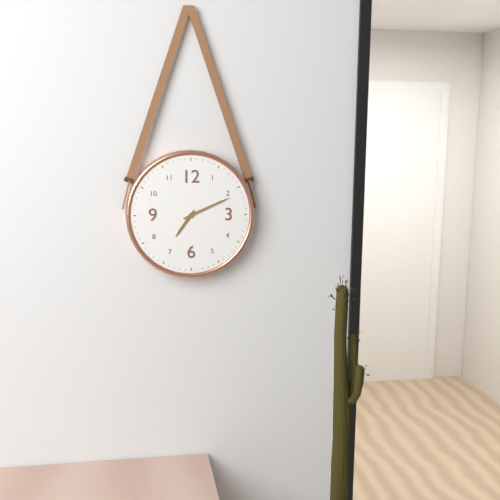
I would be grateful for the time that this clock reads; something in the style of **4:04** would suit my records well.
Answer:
**7:11**
